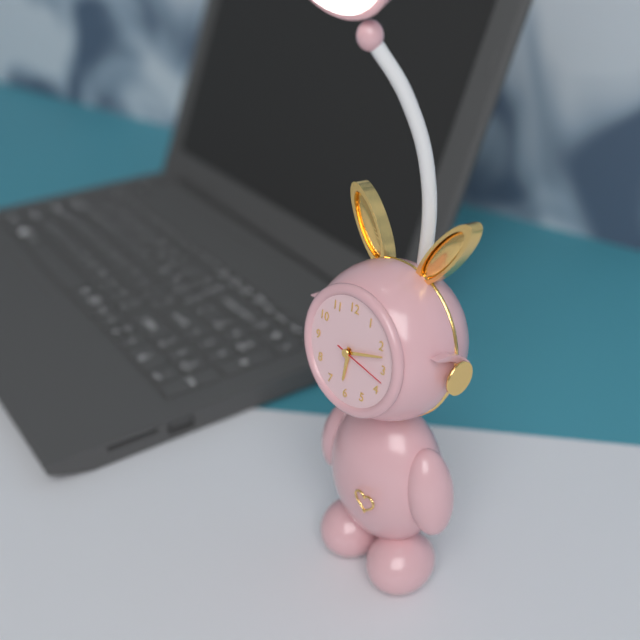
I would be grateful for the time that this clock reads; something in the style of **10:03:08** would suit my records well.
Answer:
**6:12:17**
